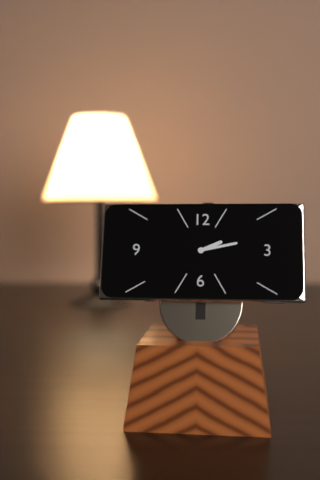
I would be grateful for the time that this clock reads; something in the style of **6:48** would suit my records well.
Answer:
**2:13**
